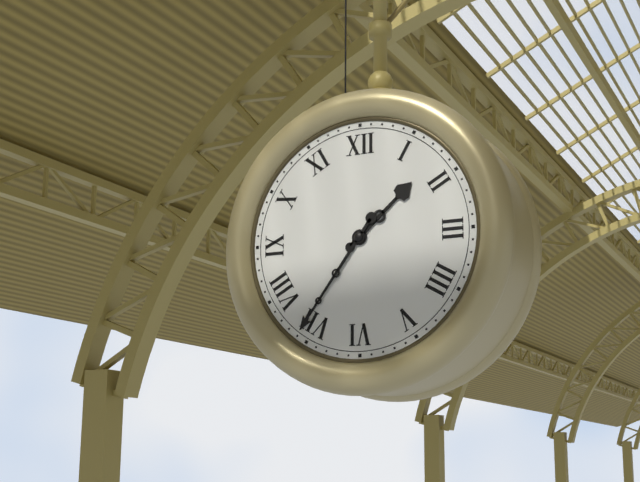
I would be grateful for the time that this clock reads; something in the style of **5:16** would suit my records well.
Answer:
**1:36**
